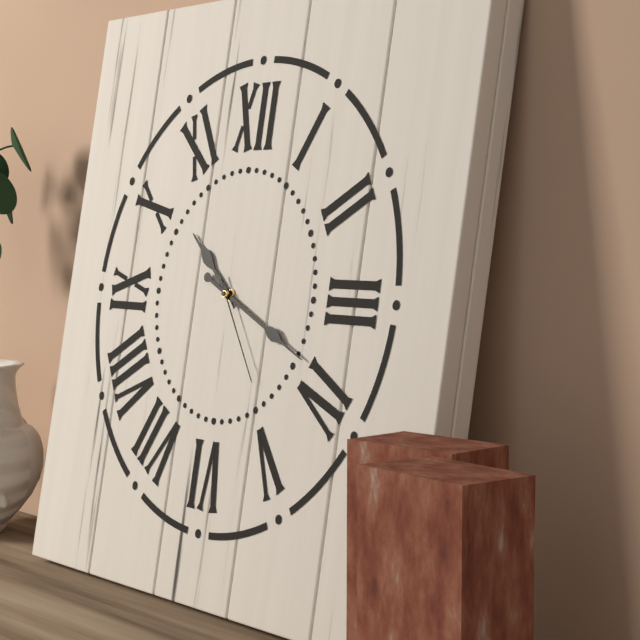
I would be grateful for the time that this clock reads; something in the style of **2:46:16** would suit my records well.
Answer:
**10:19:24**
